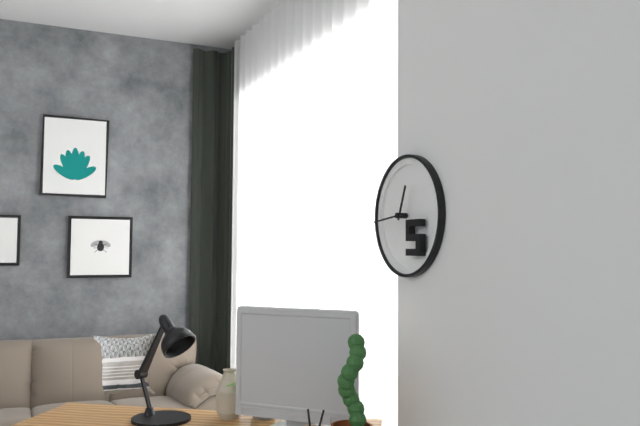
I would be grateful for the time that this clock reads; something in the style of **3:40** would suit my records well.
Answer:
**12:44**
